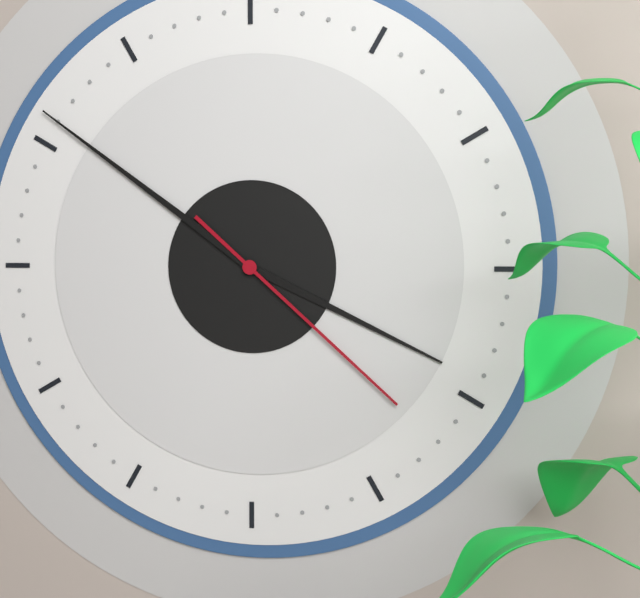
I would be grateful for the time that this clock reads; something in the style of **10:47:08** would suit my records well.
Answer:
**3:51:22**
